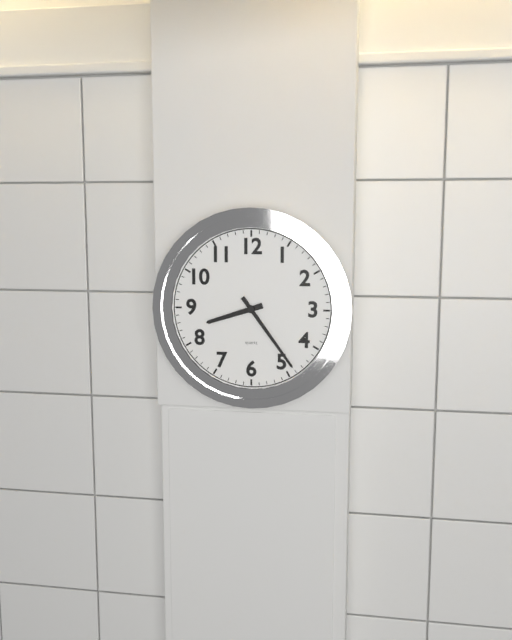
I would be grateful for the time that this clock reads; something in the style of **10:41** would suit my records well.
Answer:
**8:24**
